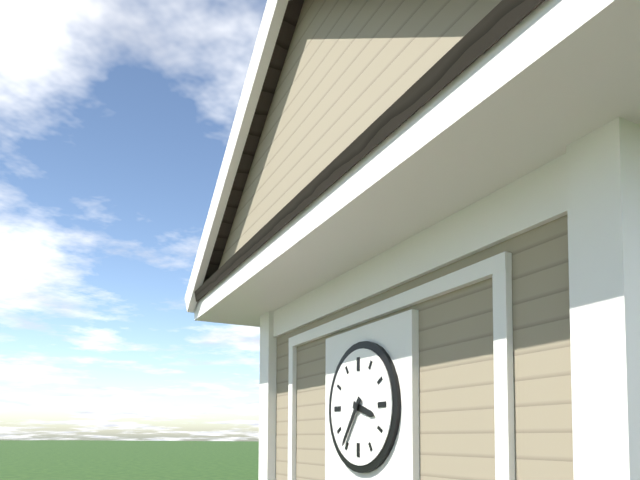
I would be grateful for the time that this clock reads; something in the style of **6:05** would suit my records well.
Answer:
**3:36**
